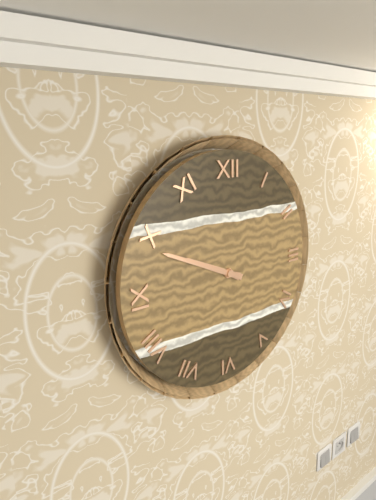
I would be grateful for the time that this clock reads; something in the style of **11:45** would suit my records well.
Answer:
**9:49**
